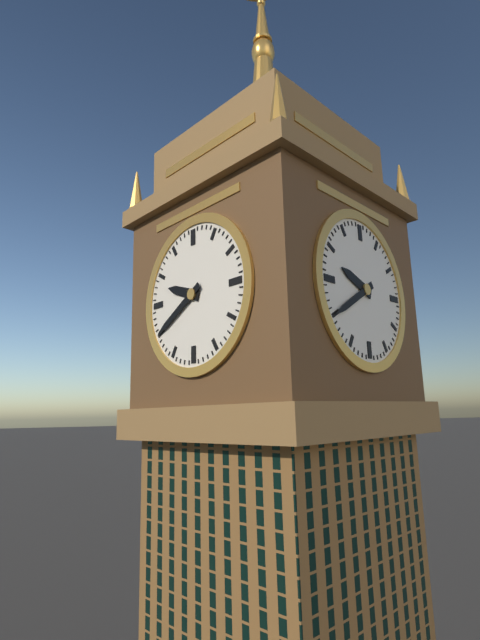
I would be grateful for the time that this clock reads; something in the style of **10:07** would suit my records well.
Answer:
**9:40**
